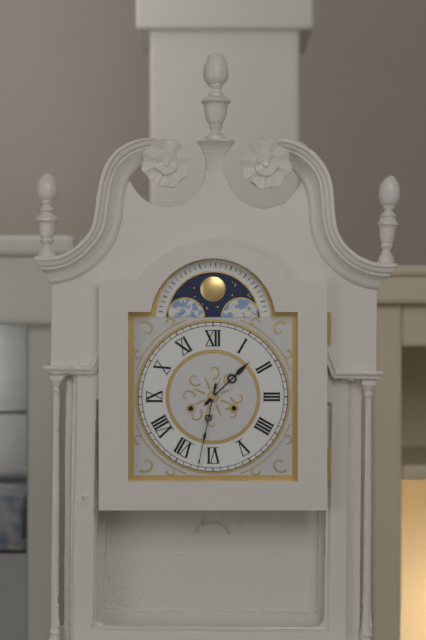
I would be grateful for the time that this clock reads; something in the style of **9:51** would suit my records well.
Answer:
**1:32**
